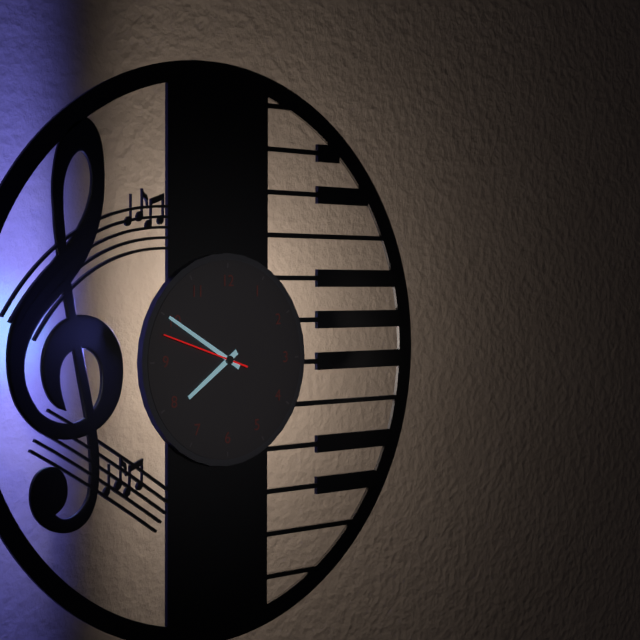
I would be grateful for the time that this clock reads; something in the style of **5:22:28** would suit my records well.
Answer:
**7:50:48**
